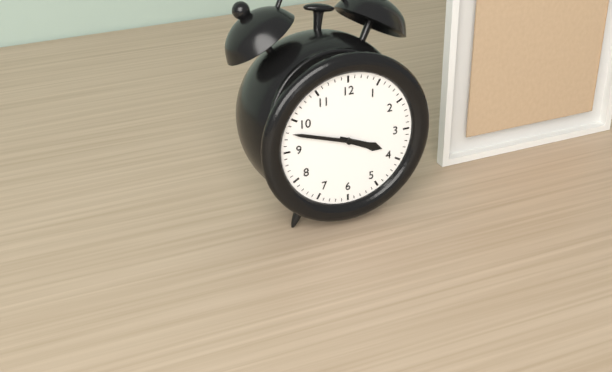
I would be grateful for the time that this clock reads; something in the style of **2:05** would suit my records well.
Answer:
**3:48**
